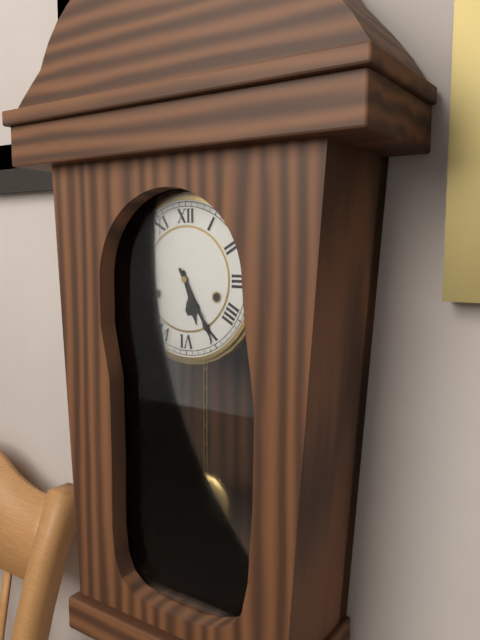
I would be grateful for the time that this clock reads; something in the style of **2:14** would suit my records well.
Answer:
**5:25**
